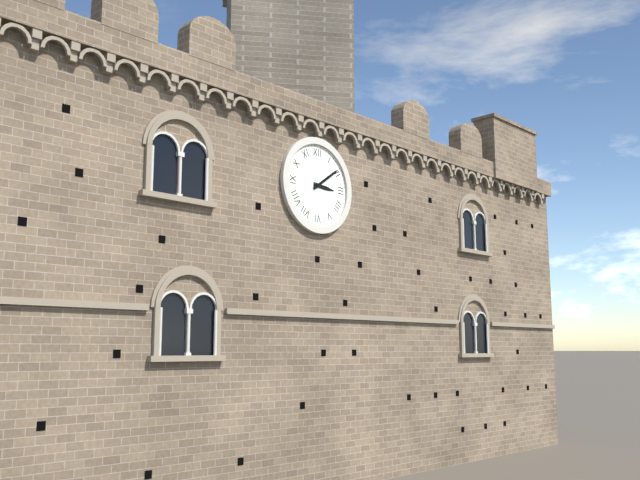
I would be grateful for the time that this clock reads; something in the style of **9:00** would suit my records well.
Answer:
**3:09**
